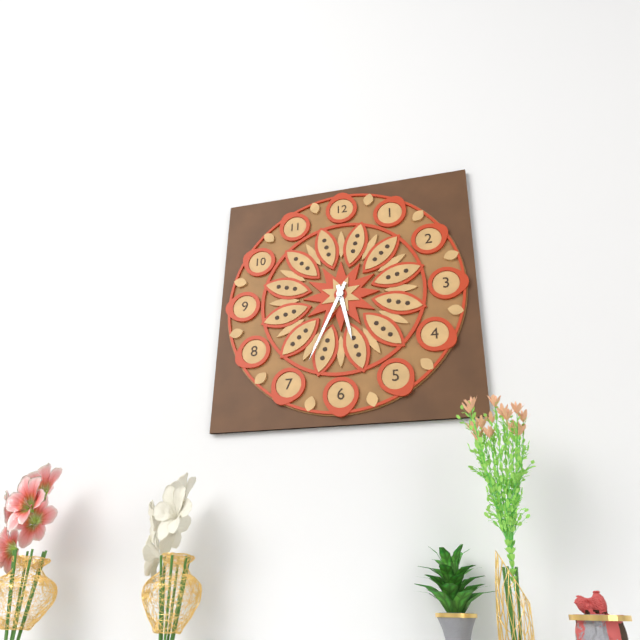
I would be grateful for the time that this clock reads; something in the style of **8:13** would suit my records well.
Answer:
**5:34**
